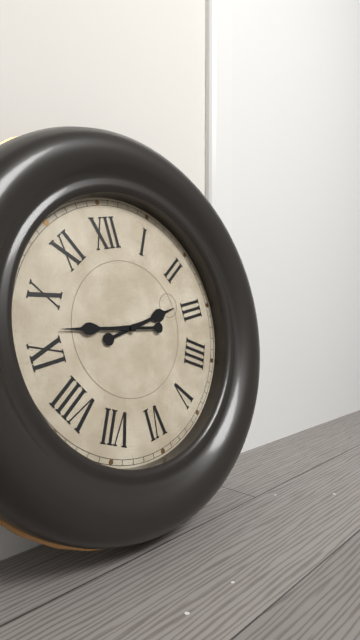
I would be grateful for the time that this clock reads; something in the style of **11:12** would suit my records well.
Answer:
**2:47**
